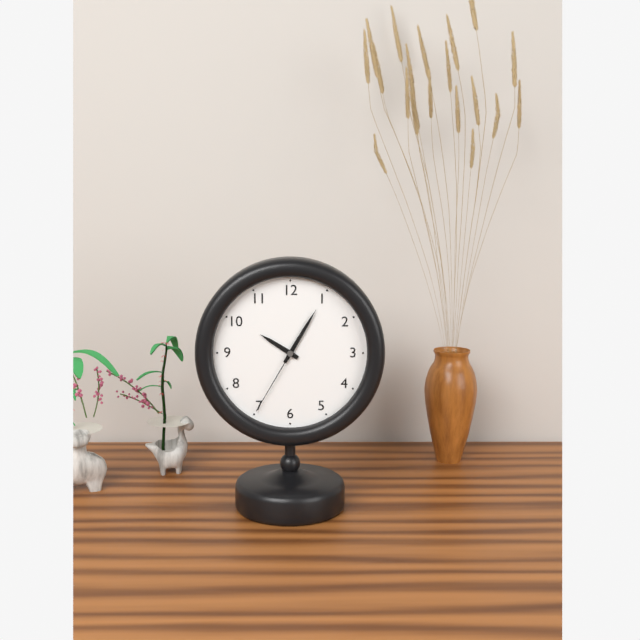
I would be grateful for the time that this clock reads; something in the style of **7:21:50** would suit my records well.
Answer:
**10:05:35**
